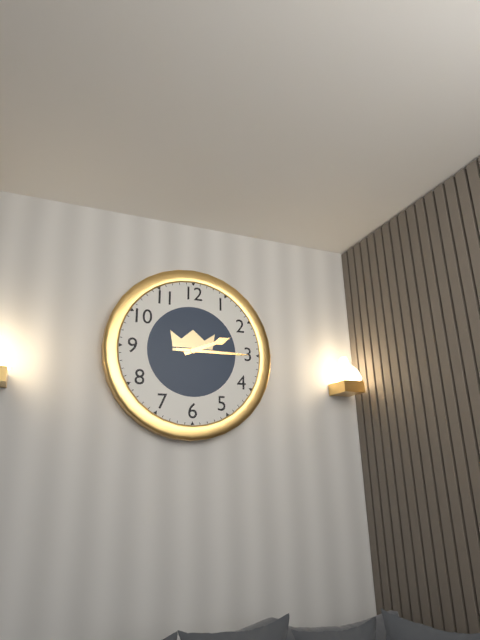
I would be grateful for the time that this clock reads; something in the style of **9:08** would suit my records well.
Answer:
**2:15**
